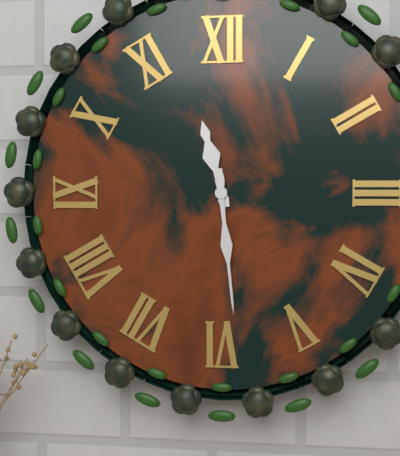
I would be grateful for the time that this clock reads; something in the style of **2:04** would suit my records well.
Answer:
**11:29**
